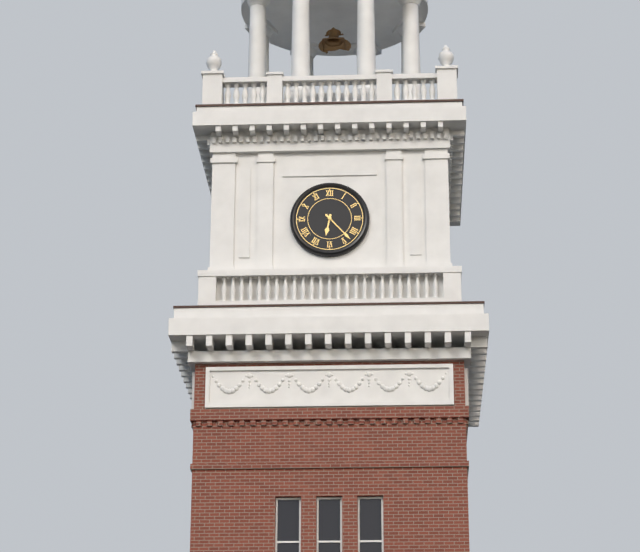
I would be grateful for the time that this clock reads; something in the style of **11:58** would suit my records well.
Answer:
**6:23**
